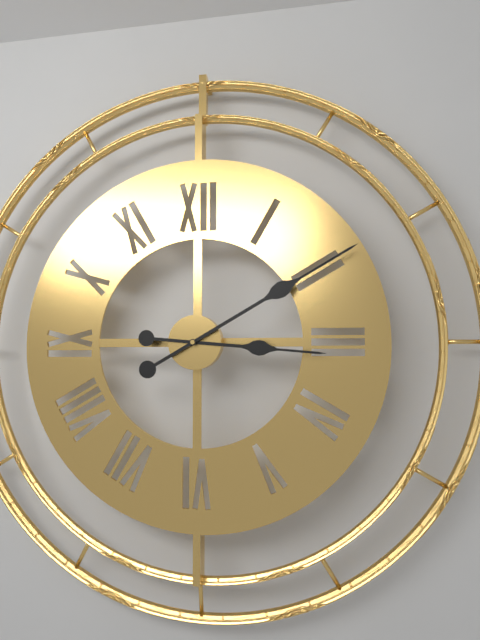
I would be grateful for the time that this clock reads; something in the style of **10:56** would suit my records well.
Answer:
**3:10**
